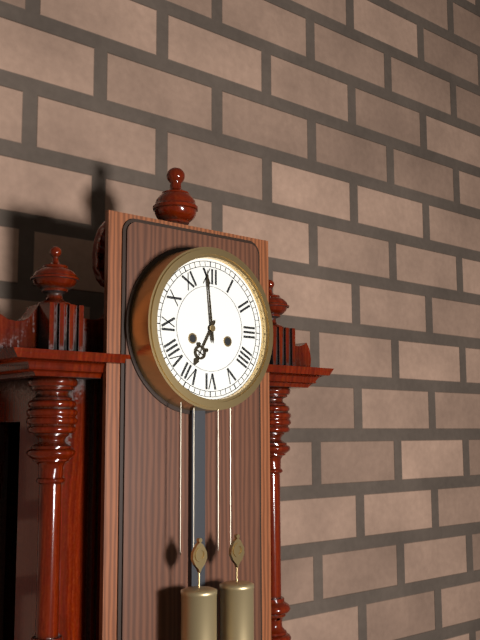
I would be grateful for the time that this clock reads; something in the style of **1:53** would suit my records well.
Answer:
**6:59**
